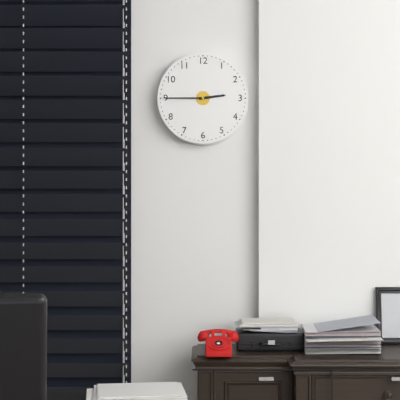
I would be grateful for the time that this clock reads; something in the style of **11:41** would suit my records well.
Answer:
**2:45**
